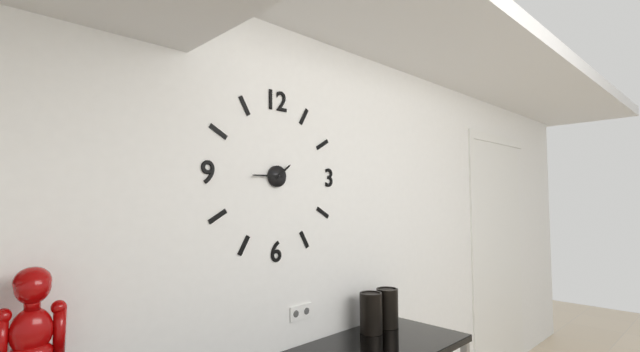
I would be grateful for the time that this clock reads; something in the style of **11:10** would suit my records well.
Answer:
**1:45**
